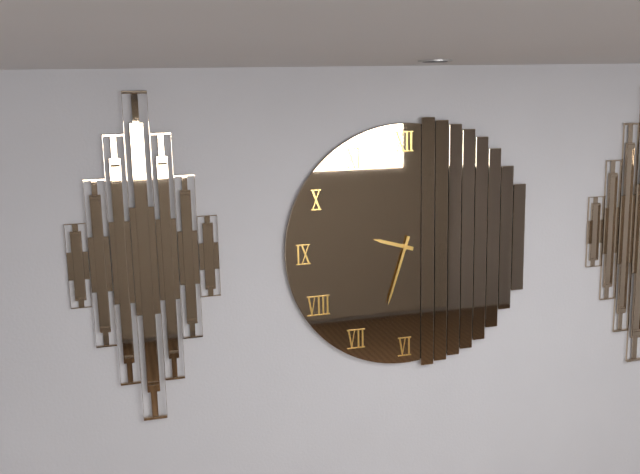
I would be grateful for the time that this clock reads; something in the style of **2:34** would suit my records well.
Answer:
**9:33**
